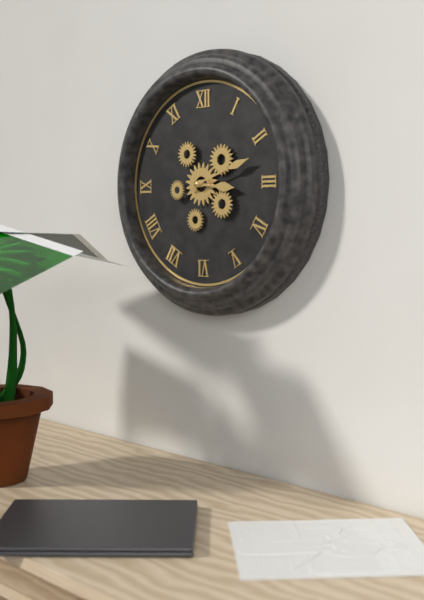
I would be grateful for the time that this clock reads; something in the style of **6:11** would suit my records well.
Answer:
**3:12**
